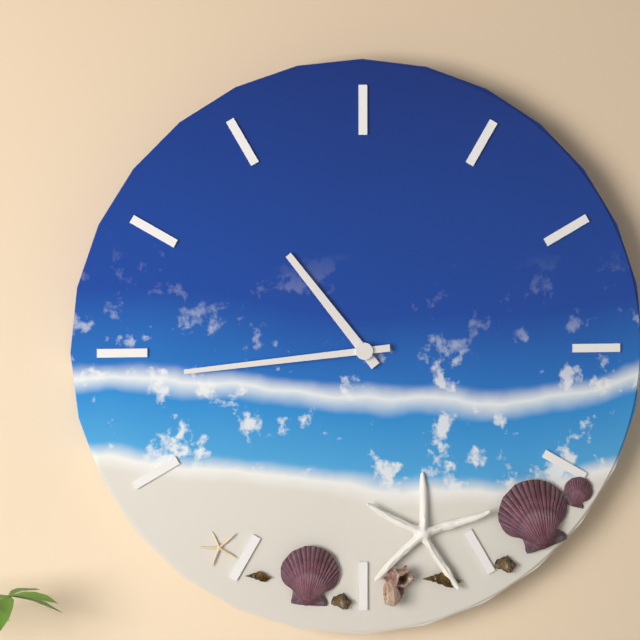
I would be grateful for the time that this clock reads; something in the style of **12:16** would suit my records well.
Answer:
**10:44**
